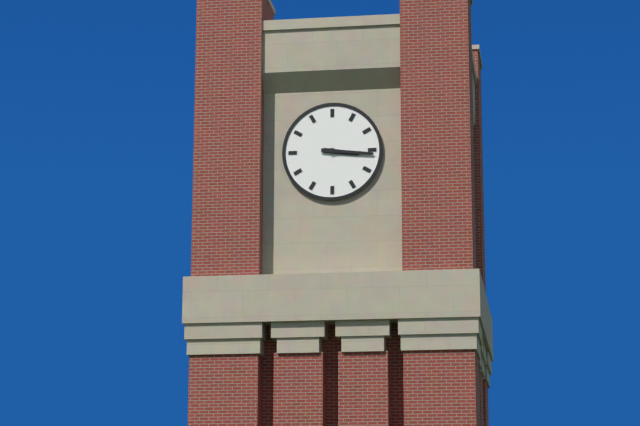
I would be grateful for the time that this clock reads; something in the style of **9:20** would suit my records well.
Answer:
**3:16**
